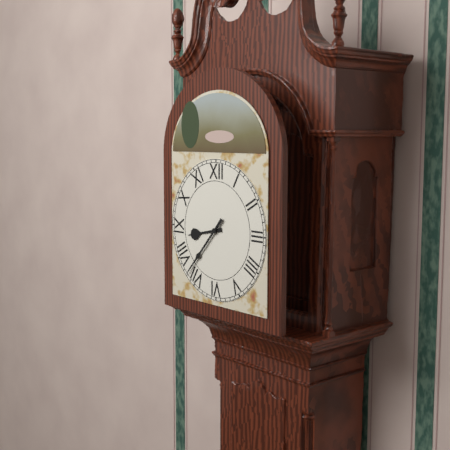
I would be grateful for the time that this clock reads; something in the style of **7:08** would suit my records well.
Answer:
**8:37**
